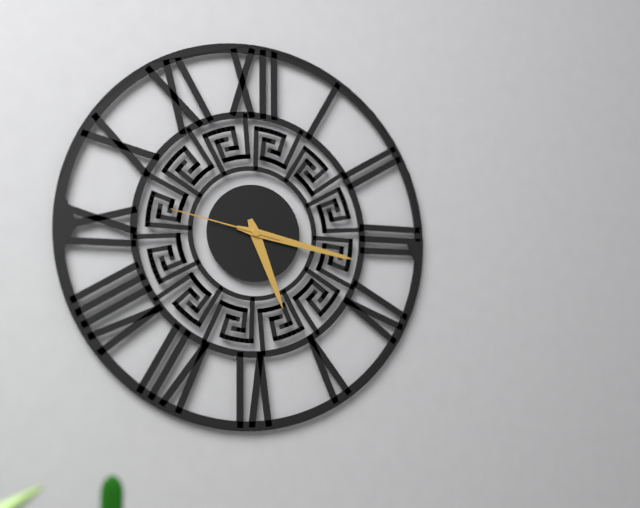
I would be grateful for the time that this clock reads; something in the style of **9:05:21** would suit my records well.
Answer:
**5:17:47**
